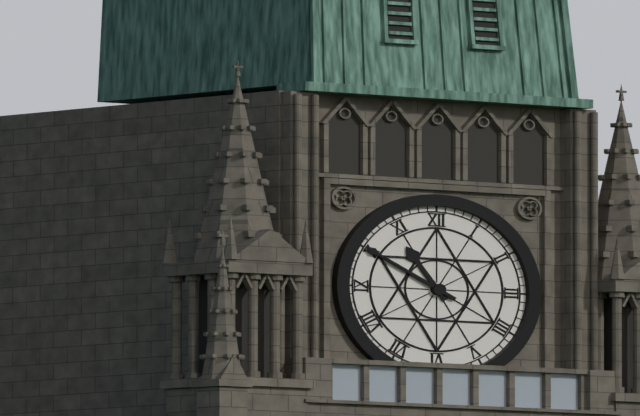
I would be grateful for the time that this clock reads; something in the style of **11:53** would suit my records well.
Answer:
**10:50**
